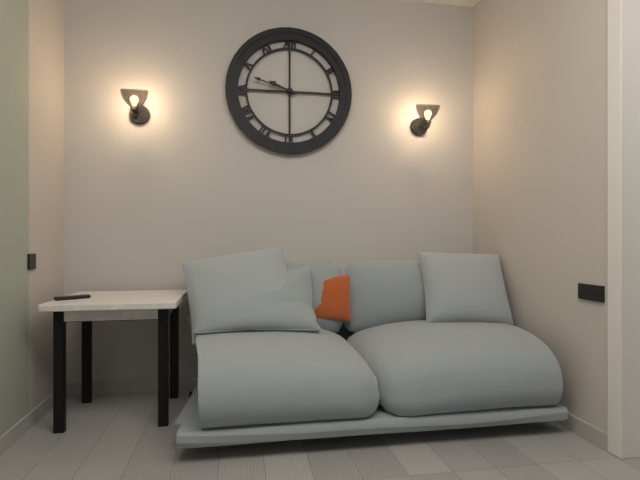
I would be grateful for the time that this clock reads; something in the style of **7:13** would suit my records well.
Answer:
**9:48**
